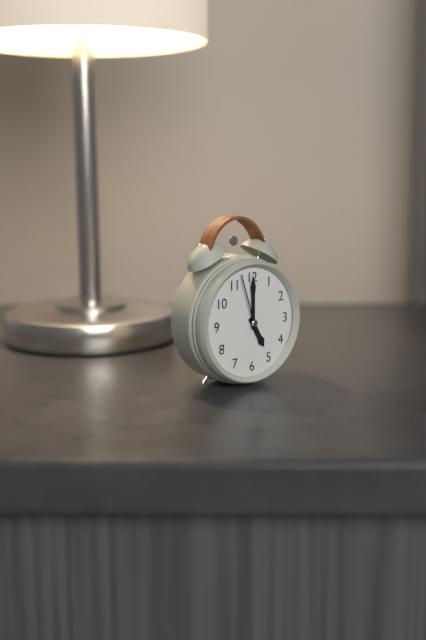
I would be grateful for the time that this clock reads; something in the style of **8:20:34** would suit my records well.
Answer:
**5:00:57**
